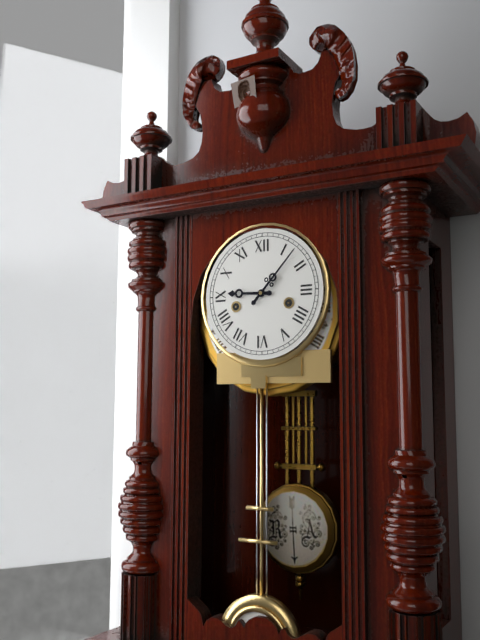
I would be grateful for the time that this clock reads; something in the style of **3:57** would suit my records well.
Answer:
**9:07**
